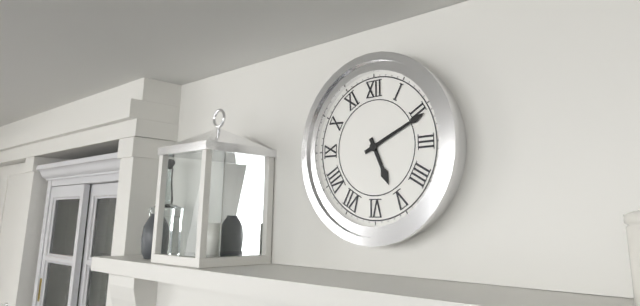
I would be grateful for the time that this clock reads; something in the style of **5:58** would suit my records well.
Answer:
**5:11**
